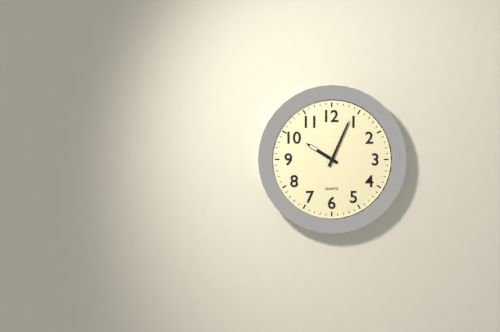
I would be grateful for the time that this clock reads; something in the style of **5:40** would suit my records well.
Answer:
**10:04**
